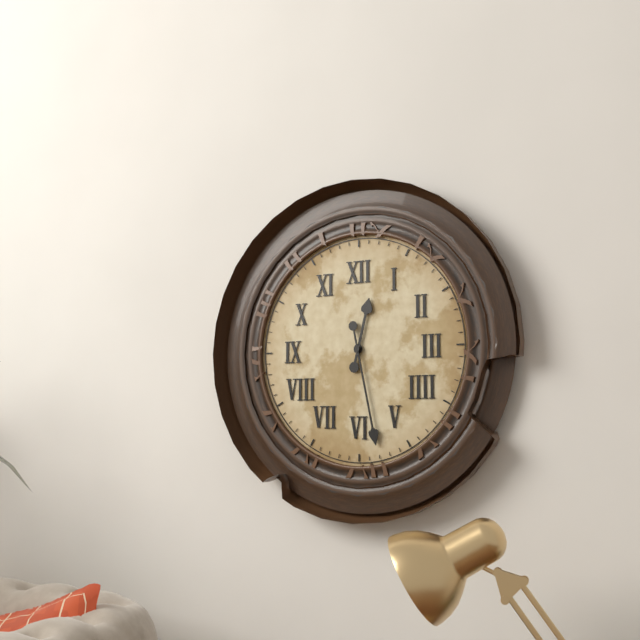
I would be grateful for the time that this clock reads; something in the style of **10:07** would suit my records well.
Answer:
**12:28**
